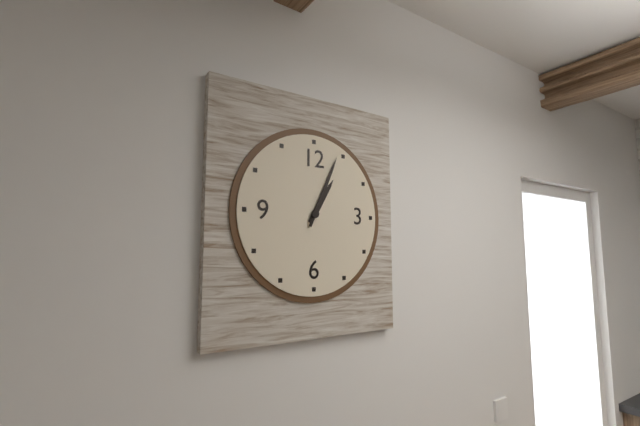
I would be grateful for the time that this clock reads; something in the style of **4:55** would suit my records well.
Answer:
**1:04**
